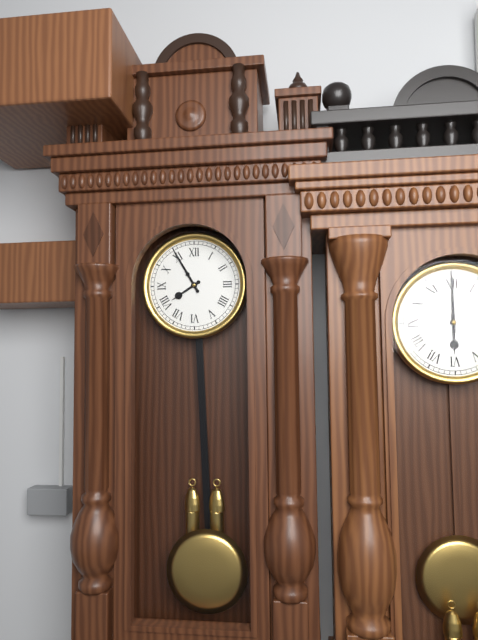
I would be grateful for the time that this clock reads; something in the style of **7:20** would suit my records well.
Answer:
**7:55**
